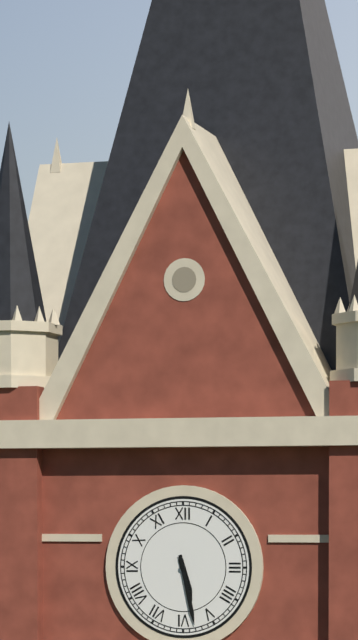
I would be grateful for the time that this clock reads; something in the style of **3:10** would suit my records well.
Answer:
**5:28**
